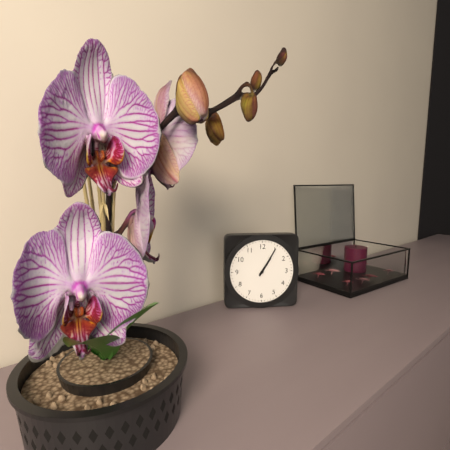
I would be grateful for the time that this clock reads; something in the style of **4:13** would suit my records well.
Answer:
**1:05**
